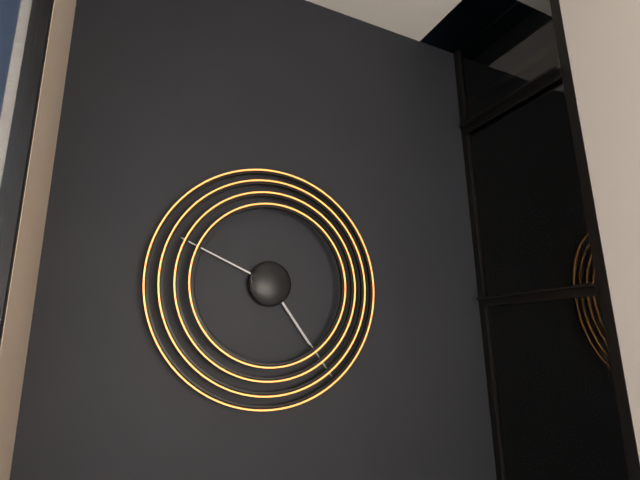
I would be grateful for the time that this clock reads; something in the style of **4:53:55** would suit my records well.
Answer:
**4:49:24**
